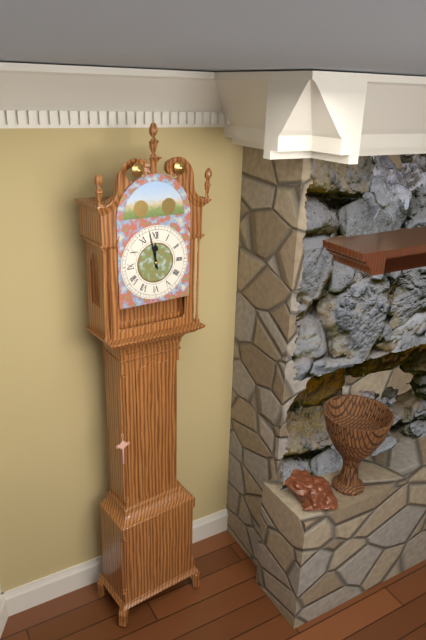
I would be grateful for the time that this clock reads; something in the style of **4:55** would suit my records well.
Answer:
**11:58**
